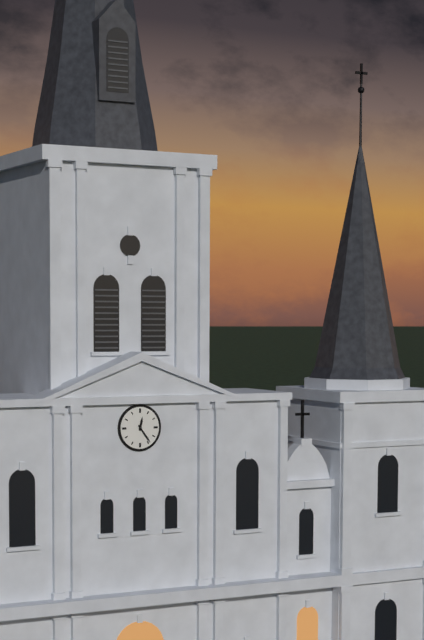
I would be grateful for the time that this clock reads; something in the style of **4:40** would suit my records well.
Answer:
**12:24**
